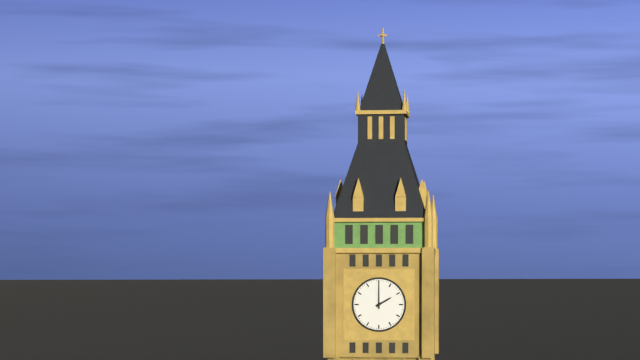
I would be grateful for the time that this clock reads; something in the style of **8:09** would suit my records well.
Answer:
**2:00**
